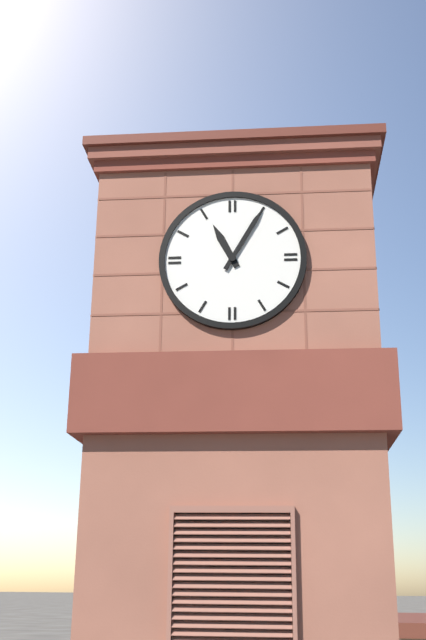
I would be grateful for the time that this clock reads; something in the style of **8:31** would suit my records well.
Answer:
**11:05**
